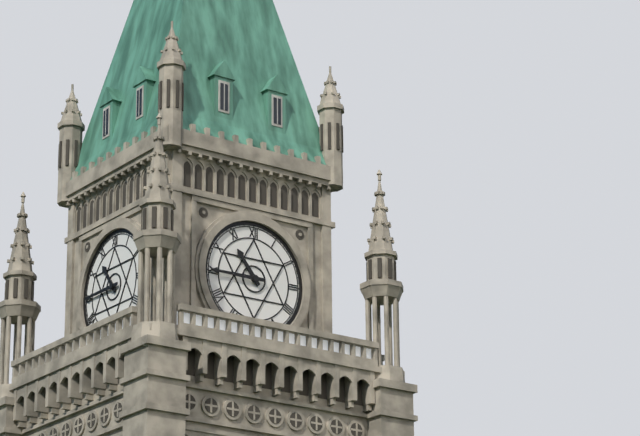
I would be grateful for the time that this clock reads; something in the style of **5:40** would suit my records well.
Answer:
**10:45**
